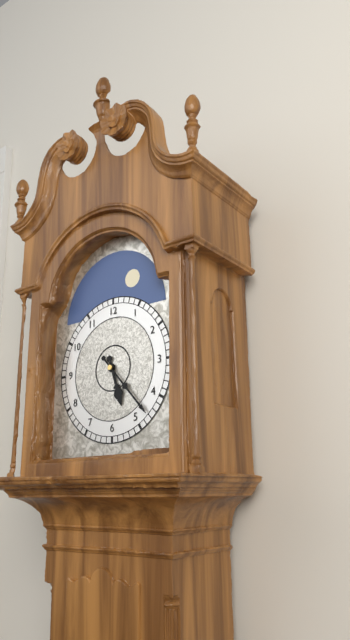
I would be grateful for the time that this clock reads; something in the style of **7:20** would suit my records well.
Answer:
**5:23**
